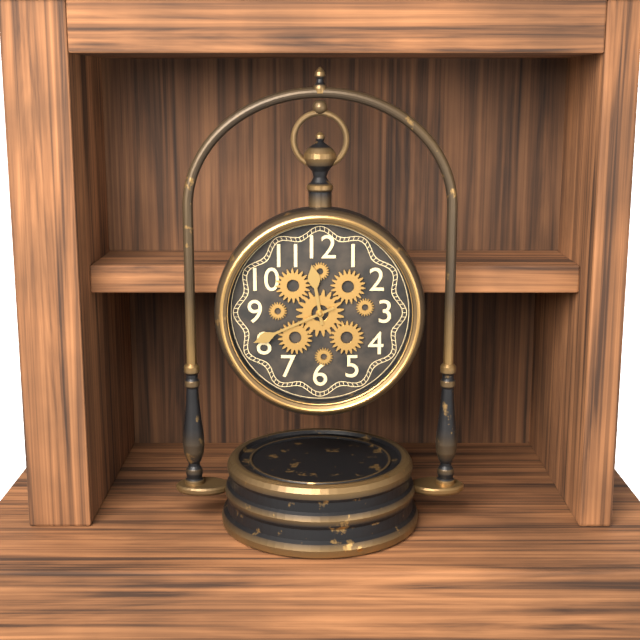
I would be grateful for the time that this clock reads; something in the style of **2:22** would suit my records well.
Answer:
**11:41**
